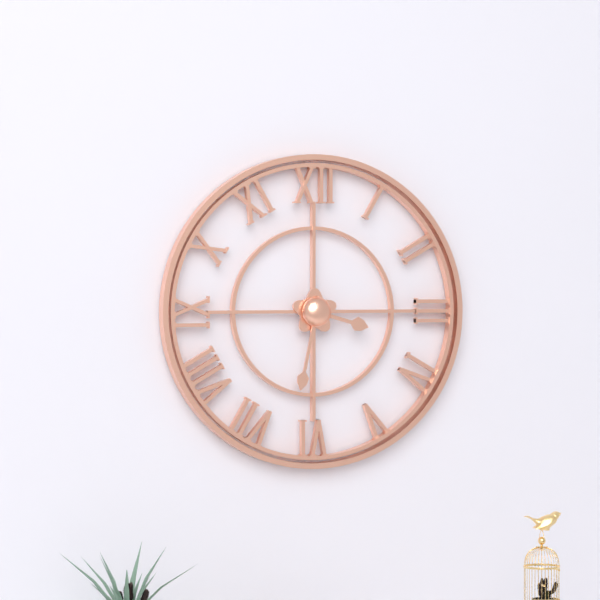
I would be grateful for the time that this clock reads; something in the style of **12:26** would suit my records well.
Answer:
**3:32**
